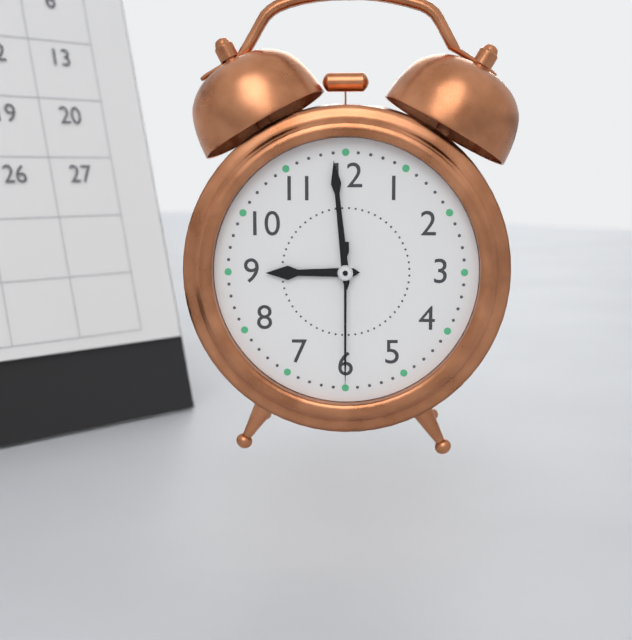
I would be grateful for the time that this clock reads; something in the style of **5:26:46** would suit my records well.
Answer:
**8:59:30**
